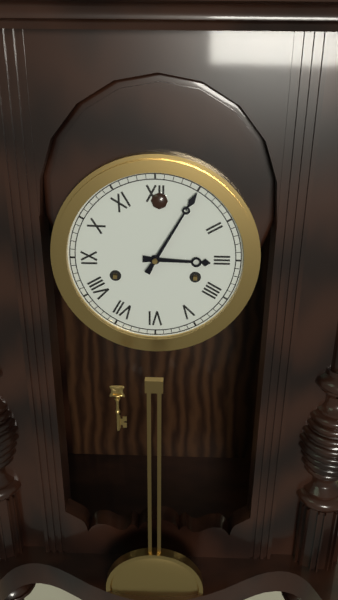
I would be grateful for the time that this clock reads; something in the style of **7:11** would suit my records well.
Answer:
**3:05**
